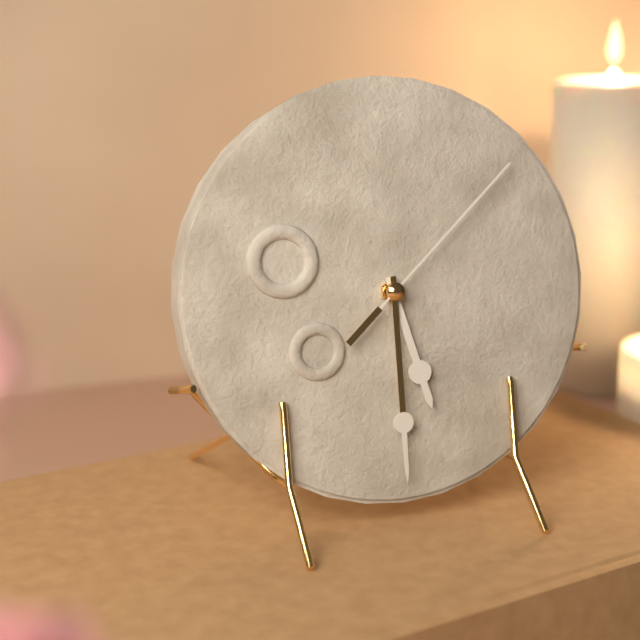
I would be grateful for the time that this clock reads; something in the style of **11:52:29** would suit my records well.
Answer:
**5:30:08**
